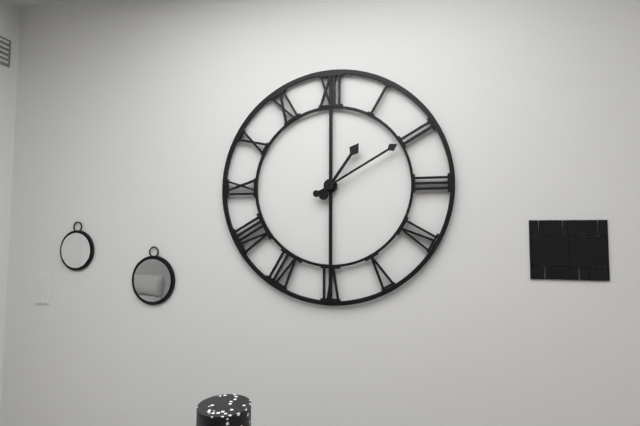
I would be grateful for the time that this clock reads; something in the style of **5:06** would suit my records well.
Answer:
**1:10**
